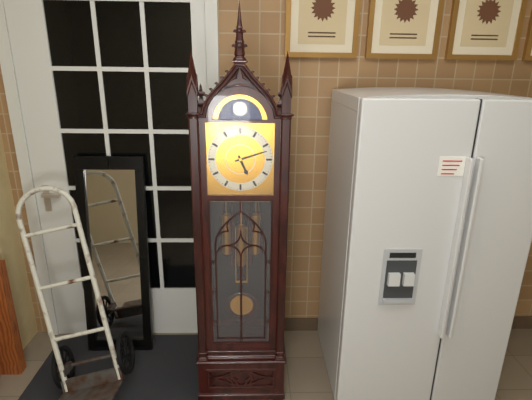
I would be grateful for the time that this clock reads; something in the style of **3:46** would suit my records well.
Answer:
**5:12**
